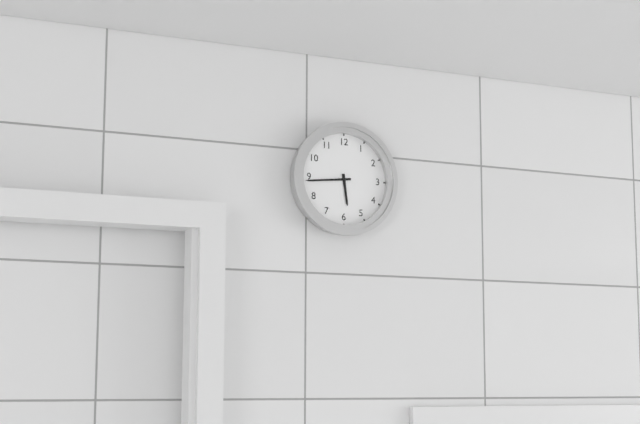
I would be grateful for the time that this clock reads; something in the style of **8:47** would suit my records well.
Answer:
**5:44**
